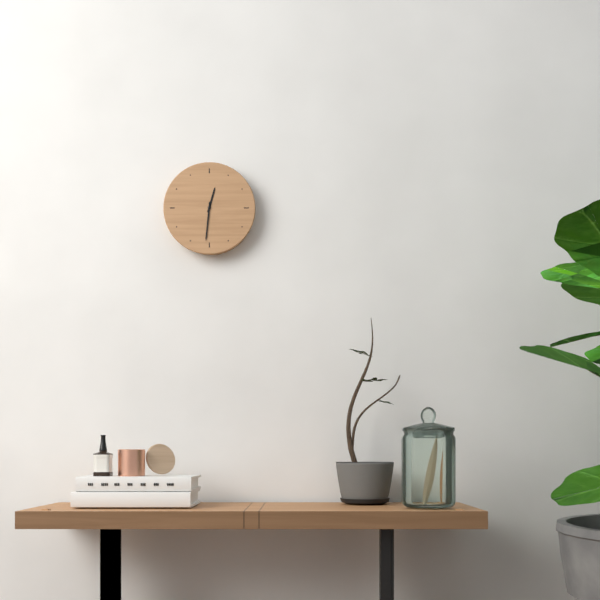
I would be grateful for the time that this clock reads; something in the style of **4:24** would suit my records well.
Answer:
**12:31**
